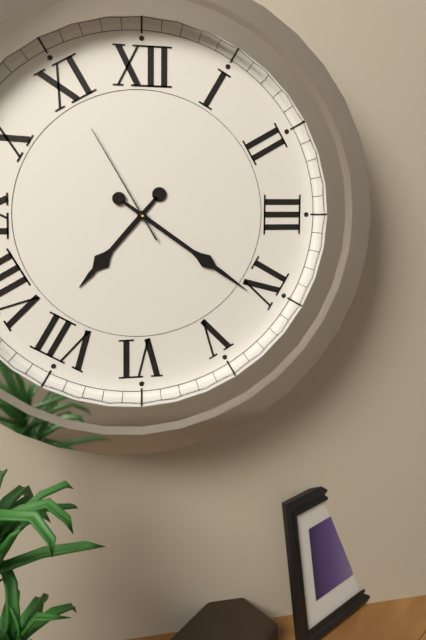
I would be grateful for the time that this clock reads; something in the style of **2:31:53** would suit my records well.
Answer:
**7:21:55**
